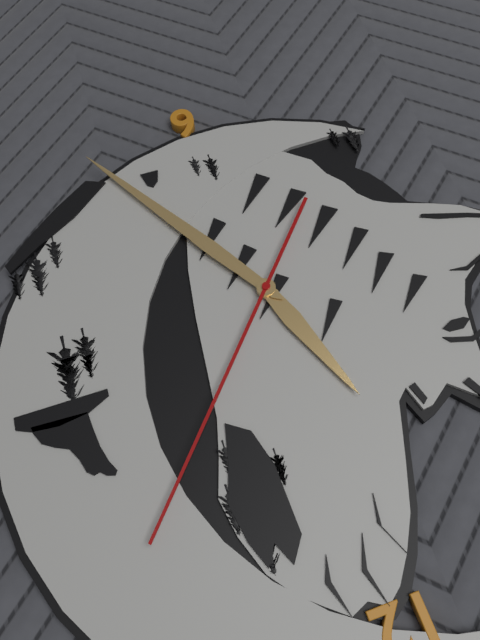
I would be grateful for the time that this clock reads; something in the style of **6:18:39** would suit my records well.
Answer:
**11:25:07**
